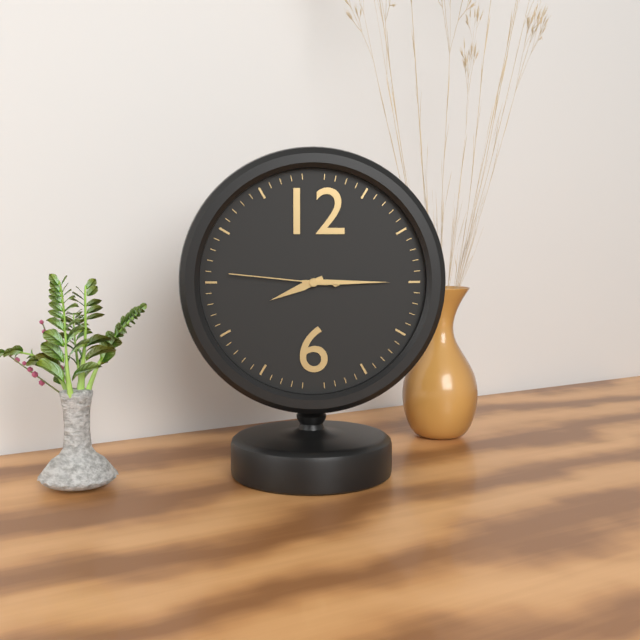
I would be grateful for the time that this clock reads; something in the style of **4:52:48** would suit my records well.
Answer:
**8:15:46**
